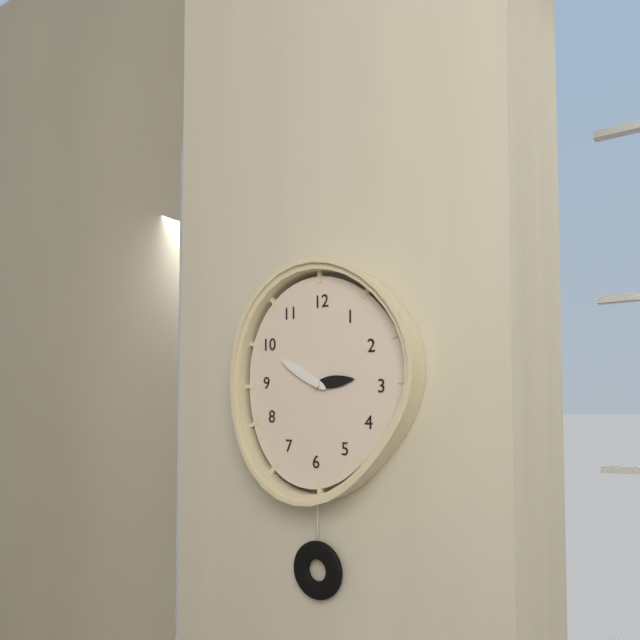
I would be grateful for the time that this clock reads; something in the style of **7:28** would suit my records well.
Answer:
**2:50**
